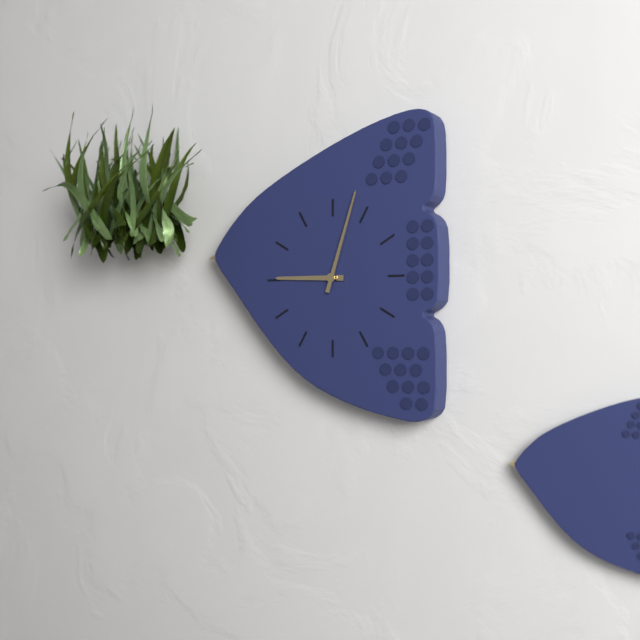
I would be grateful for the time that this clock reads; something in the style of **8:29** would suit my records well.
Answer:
**9:03**
